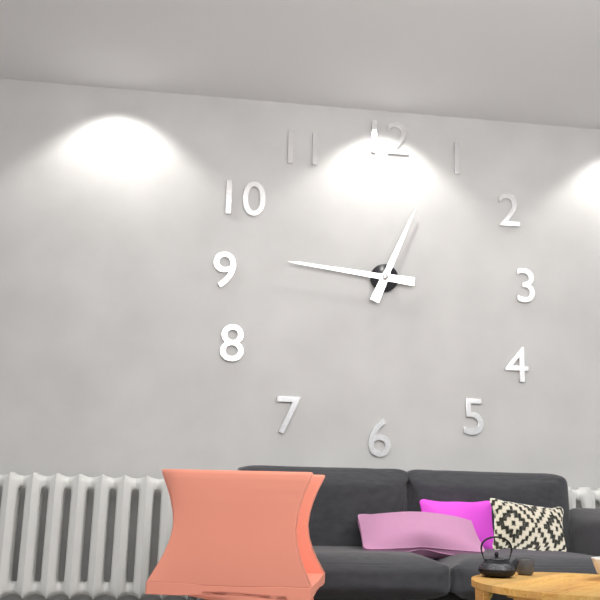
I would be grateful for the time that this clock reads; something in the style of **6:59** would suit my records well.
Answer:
**12:46**
